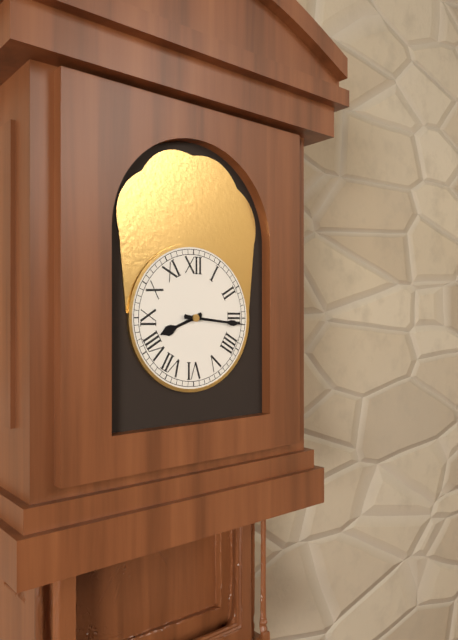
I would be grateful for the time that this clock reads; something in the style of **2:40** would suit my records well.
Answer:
**8:16**
